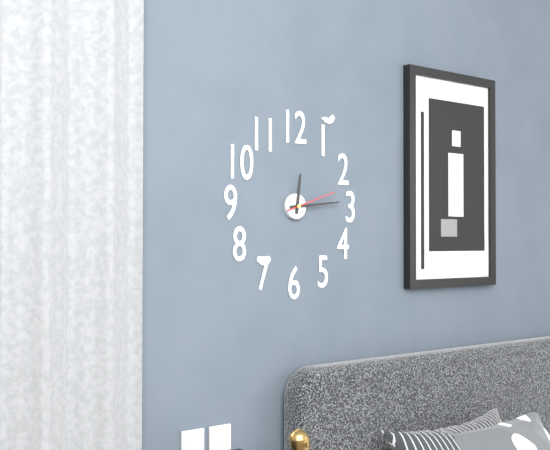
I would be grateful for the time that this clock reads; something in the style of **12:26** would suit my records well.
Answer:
**12:14**
